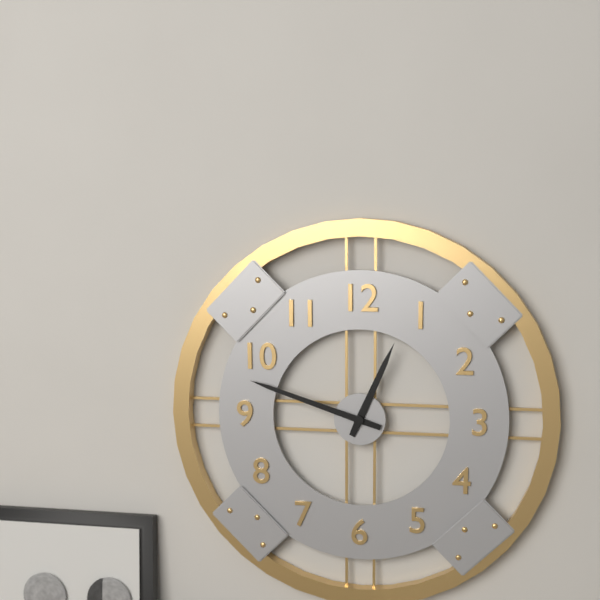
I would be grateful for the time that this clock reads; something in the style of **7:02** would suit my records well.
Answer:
**12:48**
